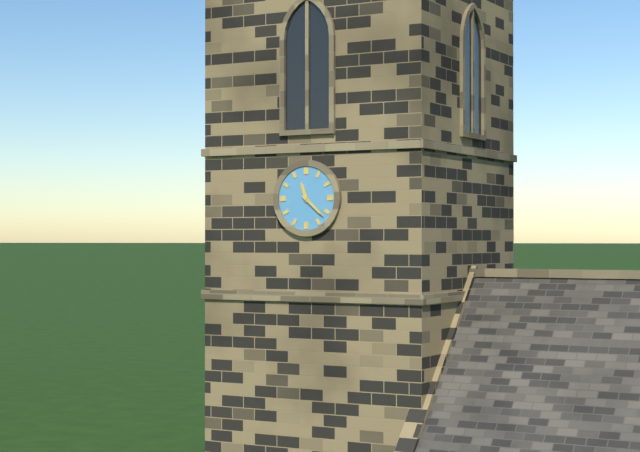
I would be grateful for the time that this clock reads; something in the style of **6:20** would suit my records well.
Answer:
**11:22**
